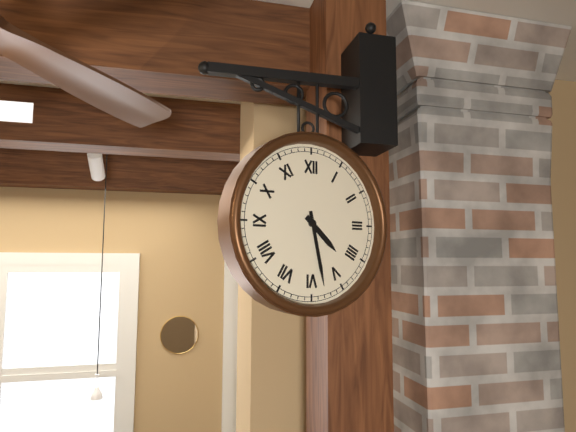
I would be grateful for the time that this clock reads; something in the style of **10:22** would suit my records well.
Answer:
**4:28**
